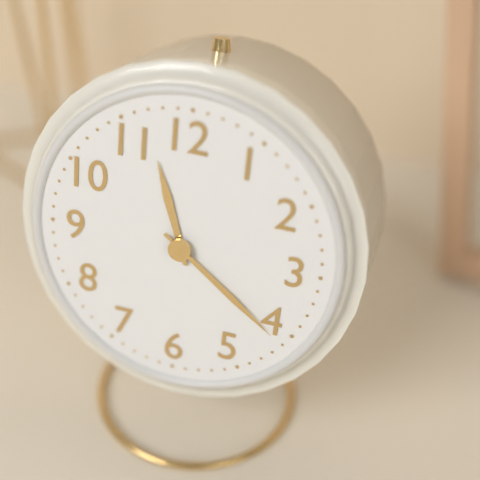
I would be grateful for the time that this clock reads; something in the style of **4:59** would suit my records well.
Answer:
**11:21**
